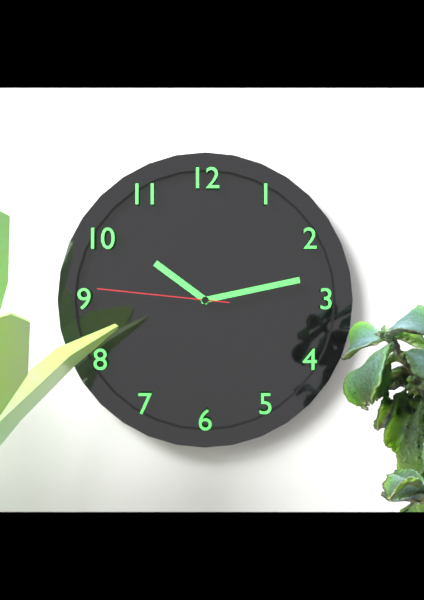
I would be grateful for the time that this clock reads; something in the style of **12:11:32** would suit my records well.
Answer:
**10:13:46**
